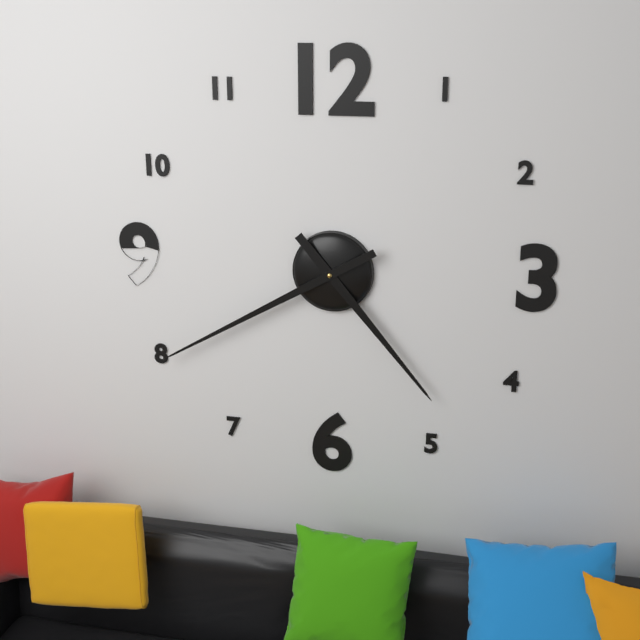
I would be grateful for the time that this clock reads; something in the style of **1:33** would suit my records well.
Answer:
**4:40**
